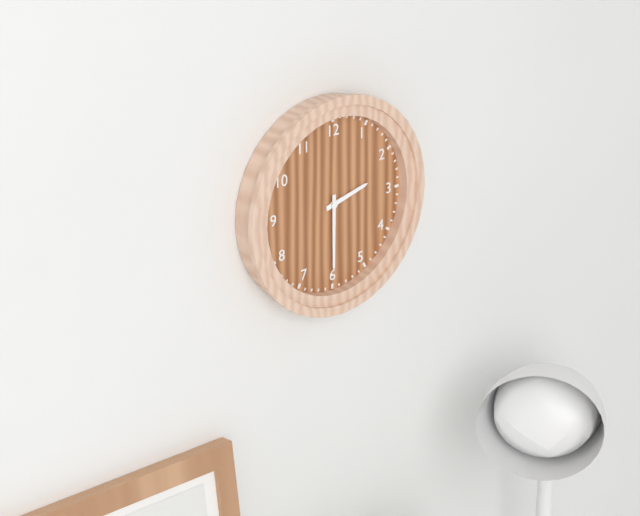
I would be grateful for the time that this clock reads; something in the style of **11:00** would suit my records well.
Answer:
**2:30**
